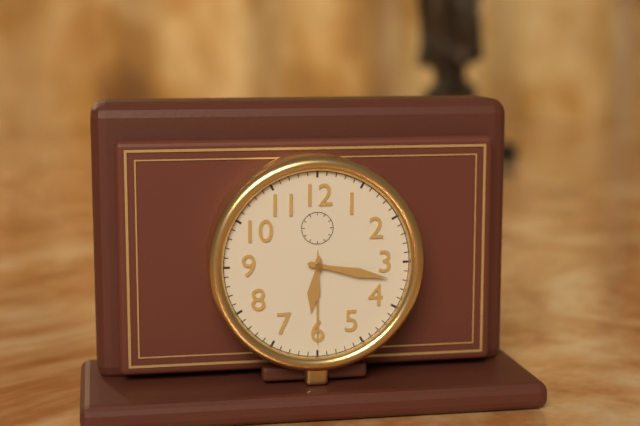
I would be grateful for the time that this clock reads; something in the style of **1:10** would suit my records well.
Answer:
**6:17**
